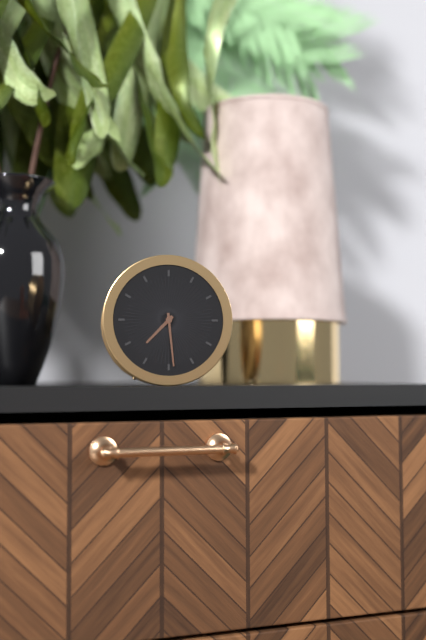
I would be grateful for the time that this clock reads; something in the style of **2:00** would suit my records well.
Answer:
**7:29**
